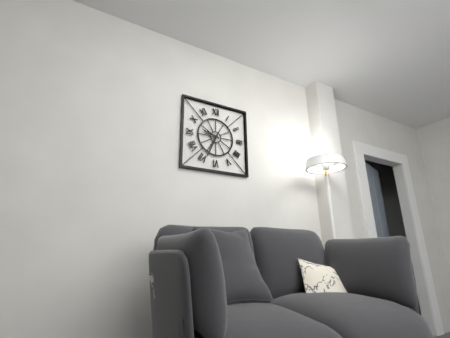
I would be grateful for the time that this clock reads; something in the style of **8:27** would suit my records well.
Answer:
**9:34**
